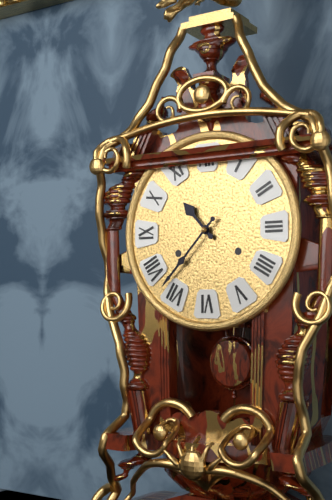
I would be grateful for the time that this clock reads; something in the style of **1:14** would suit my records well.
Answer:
**10:37**
